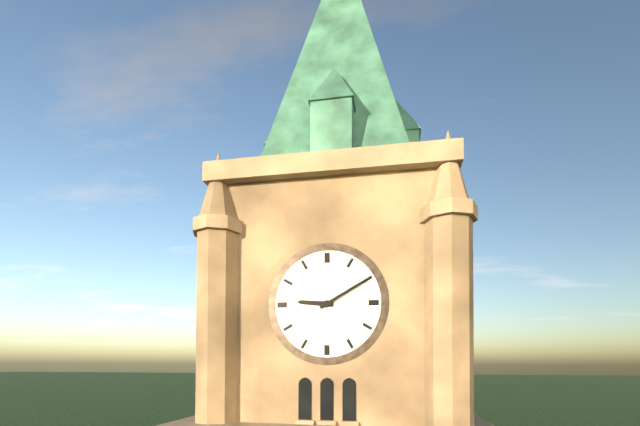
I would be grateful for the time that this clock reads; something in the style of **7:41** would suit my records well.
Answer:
**9:10**
